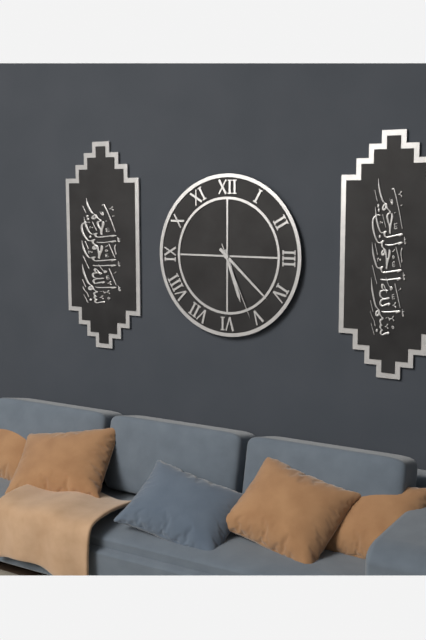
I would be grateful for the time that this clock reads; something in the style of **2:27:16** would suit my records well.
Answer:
**5:22:26**
